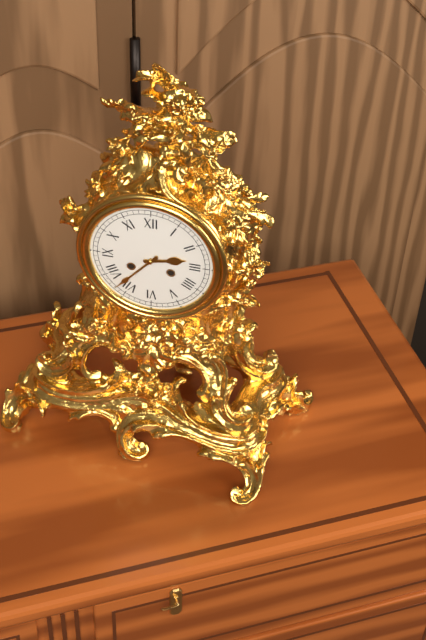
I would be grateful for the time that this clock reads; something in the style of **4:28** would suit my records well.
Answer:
**2:37**
